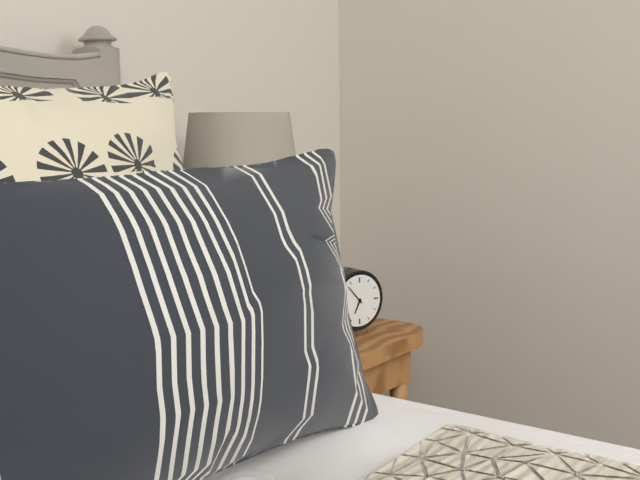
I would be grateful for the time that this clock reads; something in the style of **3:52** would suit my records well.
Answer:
**6:53**
